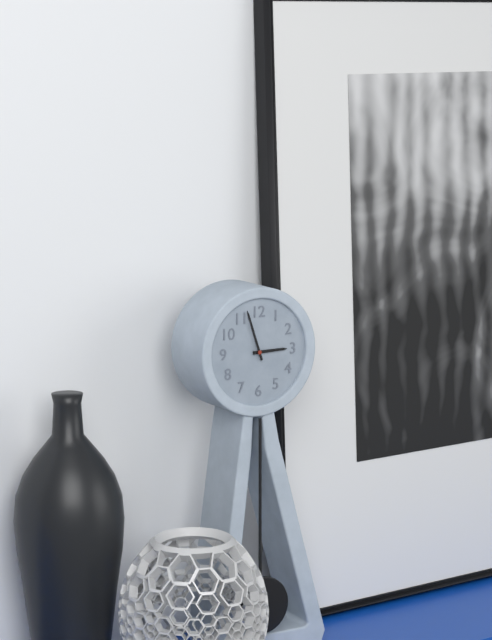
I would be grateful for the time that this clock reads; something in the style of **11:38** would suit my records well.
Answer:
**2:57**
